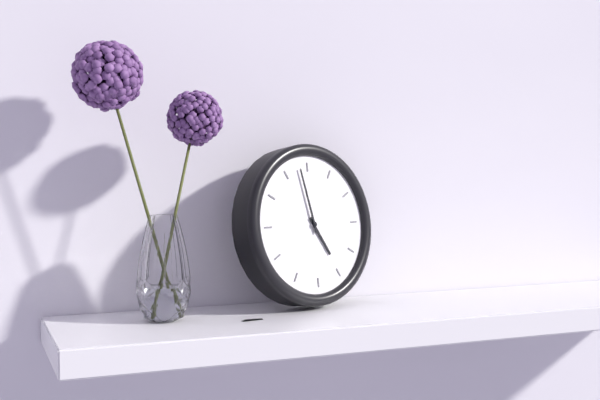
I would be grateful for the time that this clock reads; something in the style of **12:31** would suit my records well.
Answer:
**4:58**
